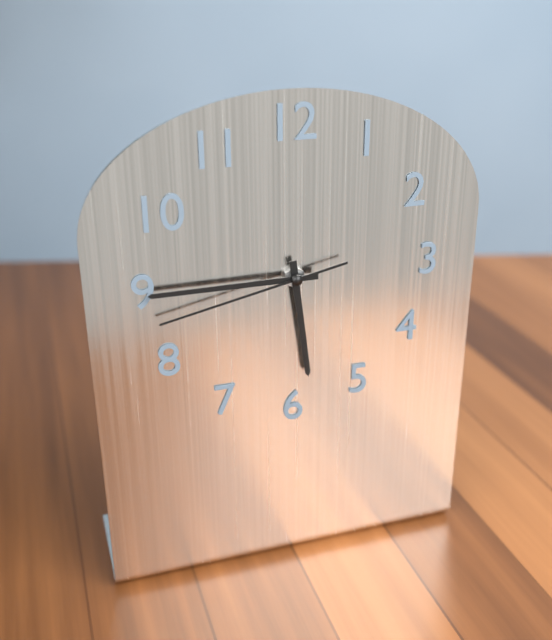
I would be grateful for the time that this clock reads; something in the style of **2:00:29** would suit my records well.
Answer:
**5:45:43**
